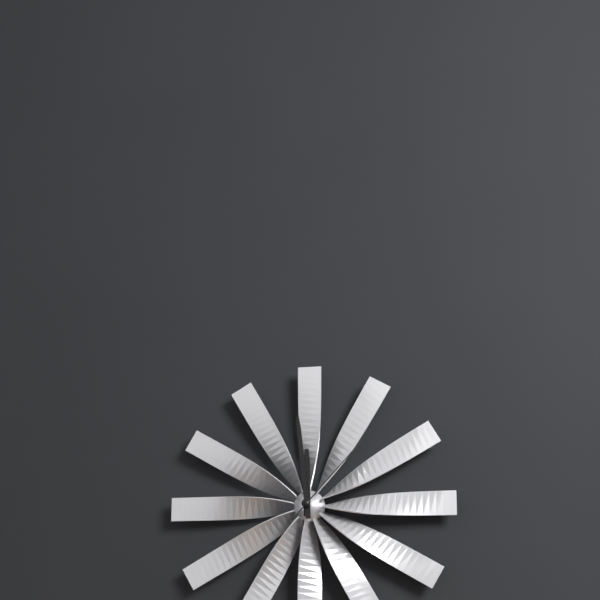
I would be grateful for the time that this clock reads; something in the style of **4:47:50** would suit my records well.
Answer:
**11:59:07**
